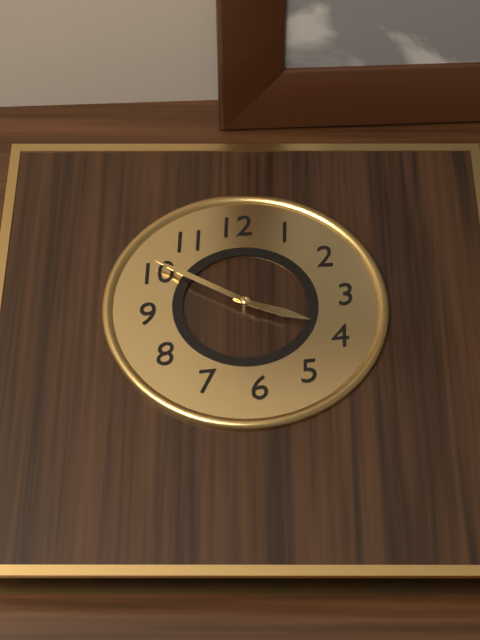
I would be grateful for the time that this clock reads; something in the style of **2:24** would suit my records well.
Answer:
**3:51**
